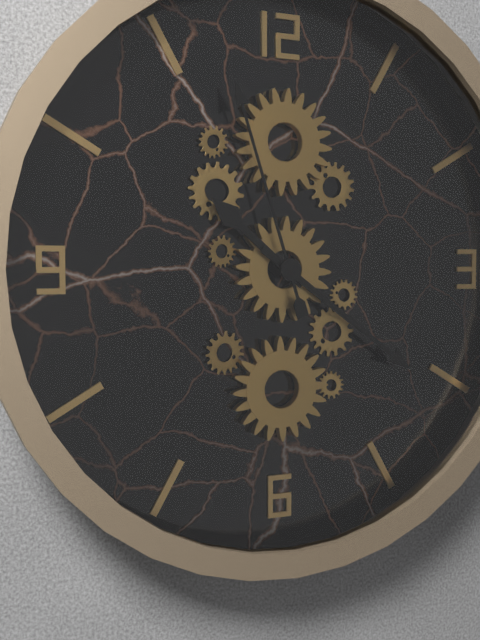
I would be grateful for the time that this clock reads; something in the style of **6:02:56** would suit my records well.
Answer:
**10:21:57**
